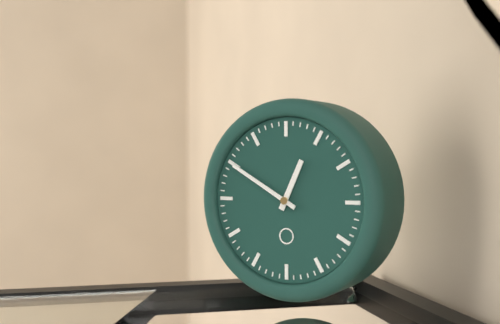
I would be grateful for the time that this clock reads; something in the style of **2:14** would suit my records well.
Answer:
**12:50**
